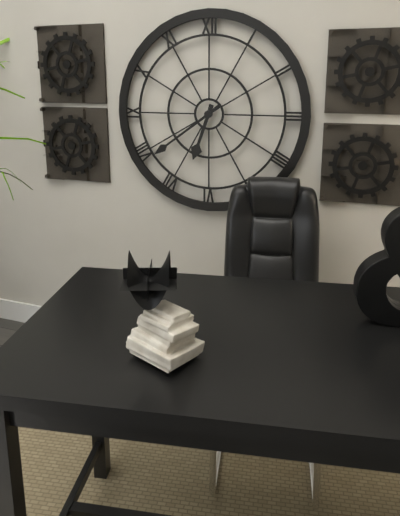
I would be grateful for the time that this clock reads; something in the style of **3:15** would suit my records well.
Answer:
**6:39**
